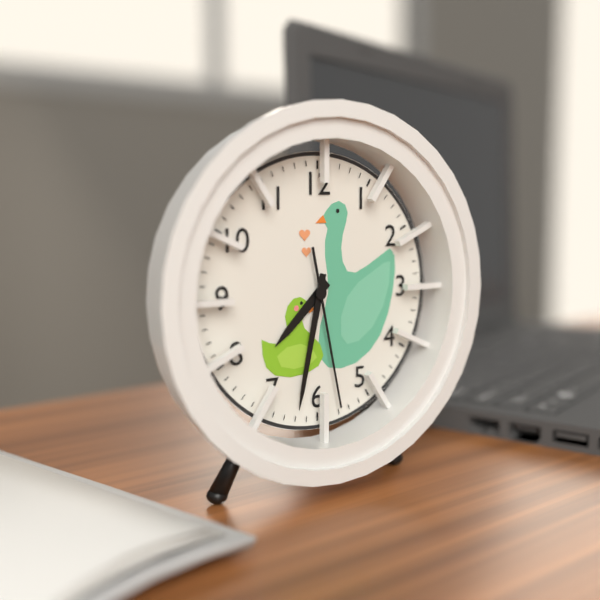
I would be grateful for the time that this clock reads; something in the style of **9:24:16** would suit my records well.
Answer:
**7:32:28**
